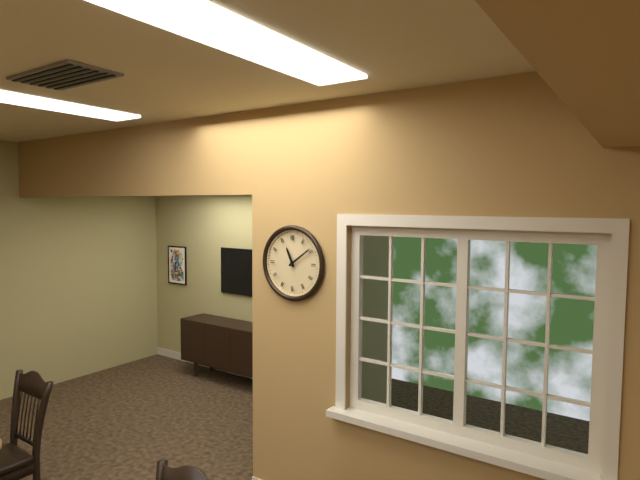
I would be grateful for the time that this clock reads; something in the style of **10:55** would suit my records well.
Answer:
**11:09**
